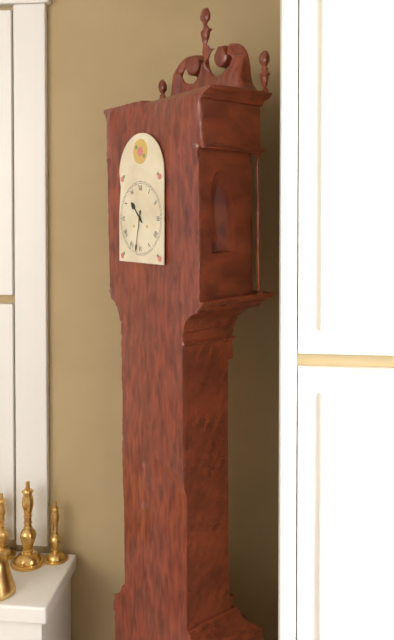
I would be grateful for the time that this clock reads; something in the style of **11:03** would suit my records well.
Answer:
**10:32**
